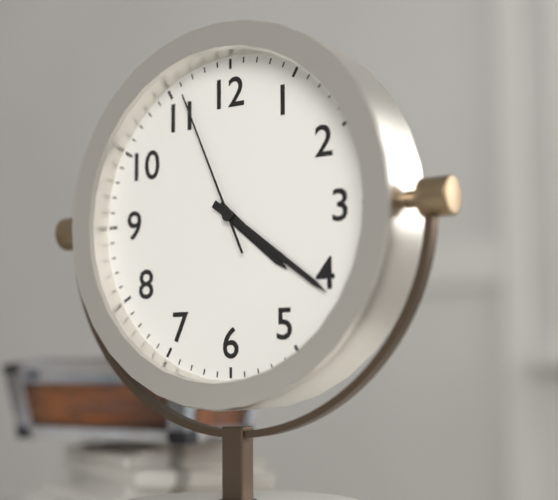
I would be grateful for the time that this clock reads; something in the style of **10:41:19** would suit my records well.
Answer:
**4:21:56**
